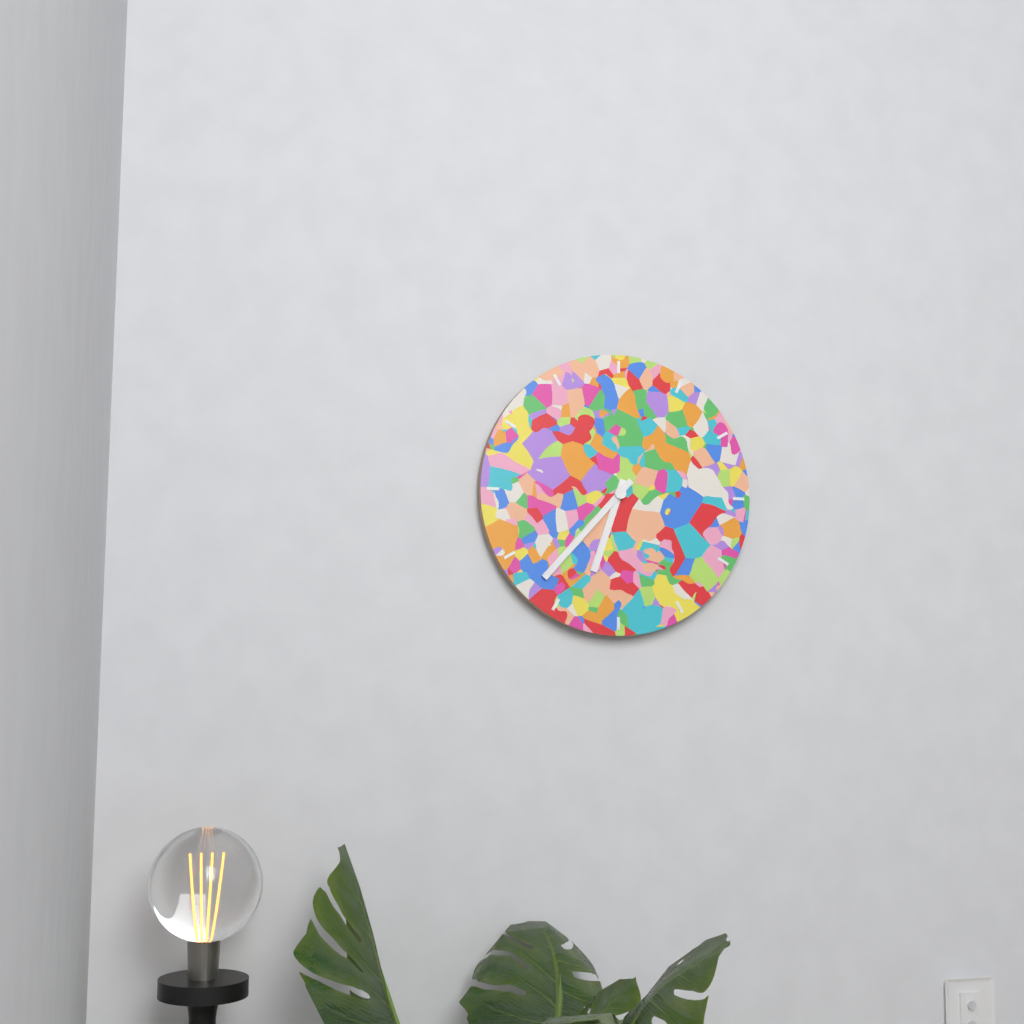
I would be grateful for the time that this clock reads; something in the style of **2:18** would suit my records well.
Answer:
**6:37**
